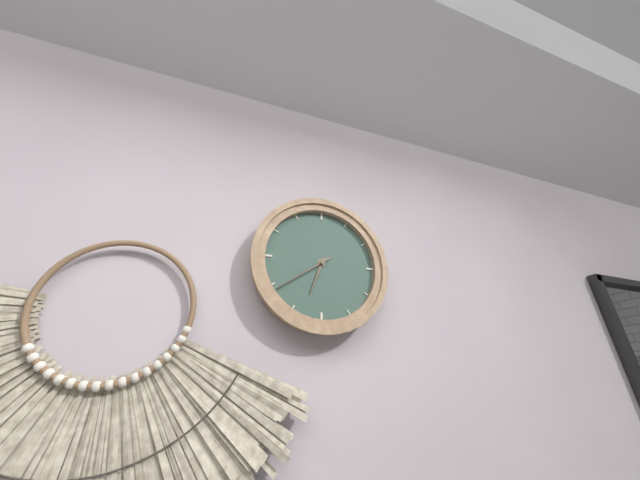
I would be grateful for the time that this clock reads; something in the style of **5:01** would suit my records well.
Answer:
**6:39**
